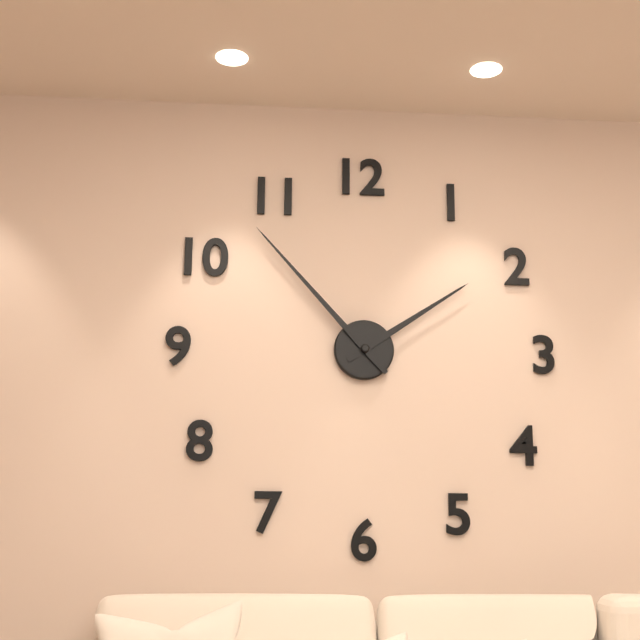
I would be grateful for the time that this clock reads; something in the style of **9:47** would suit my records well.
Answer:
**1:53**
